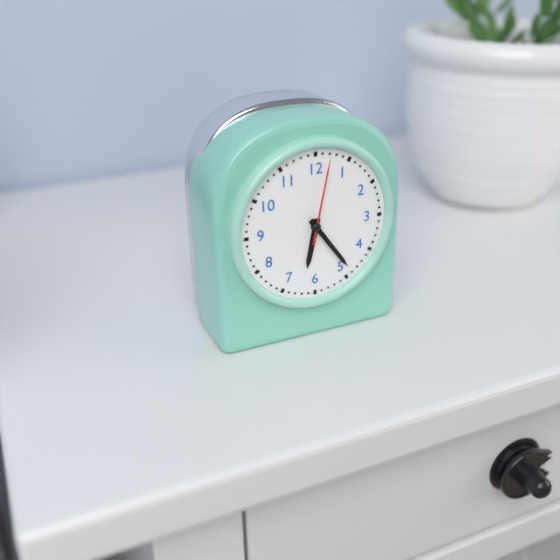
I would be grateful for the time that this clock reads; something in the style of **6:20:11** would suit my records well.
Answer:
**6:24:02**
